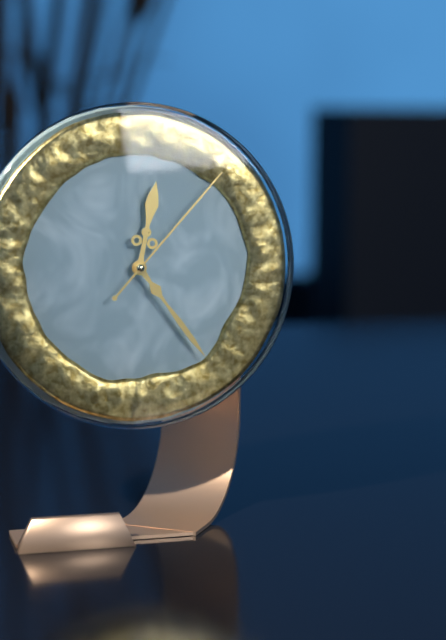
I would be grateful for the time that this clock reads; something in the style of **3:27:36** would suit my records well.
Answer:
**12:24:07**
